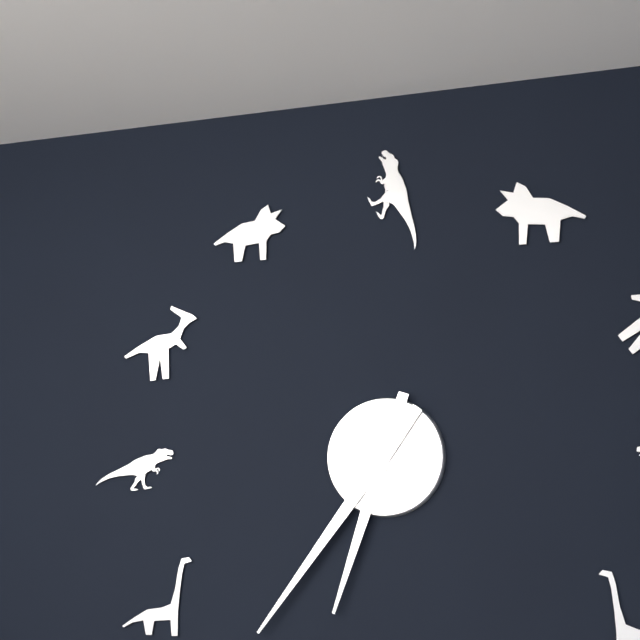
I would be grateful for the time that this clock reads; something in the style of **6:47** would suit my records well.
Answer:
**6:36**
